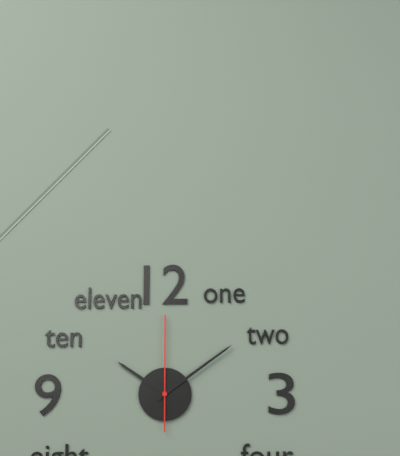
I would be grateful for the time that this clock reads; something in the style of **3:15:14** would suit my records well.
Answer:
**10:09:00**
